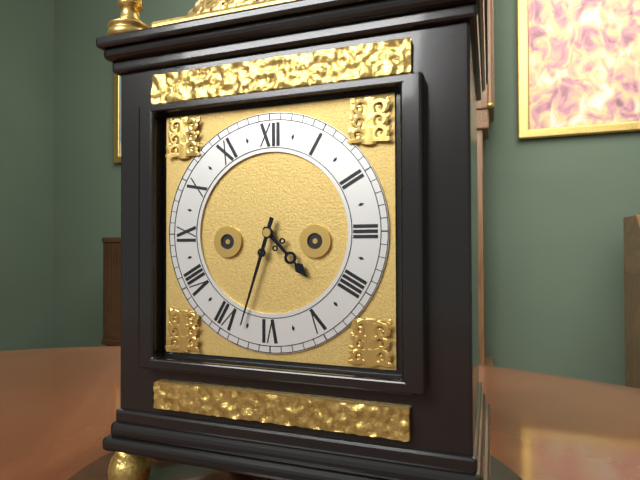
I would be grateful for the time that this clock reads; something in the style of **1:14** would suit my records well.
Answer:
**4:33**
